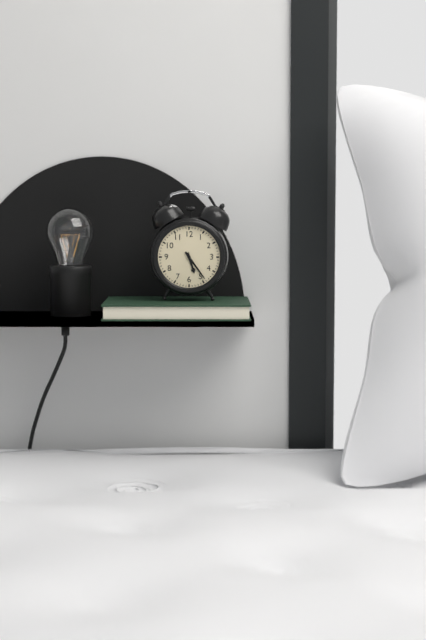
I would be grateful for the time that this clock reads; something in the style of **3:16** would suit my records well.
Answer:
**5:24**
